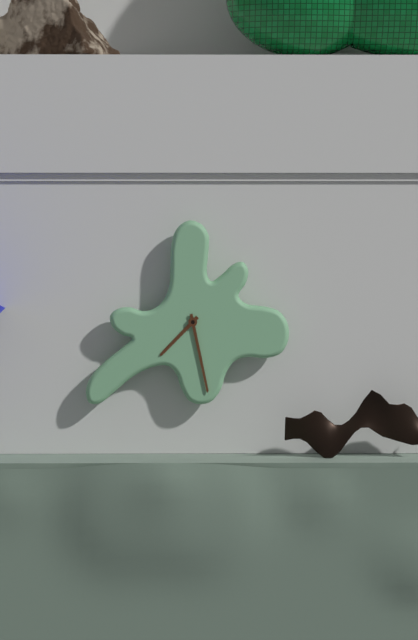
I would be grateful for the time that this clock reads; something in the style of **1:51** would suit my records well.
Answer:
**7:28**
